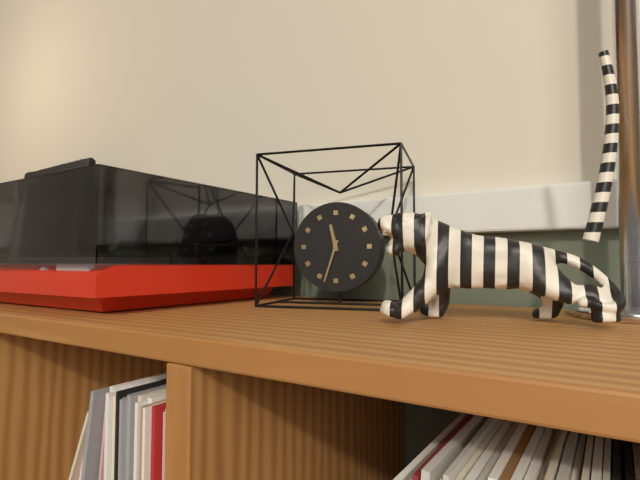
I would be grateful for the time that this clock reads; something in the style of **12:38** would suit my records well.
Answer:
**11:33**
